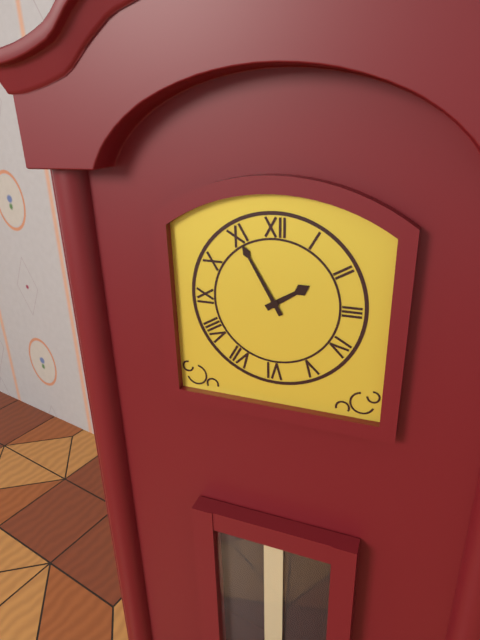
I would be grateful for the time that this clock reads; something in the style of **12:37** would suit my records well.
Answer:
**1:55**
